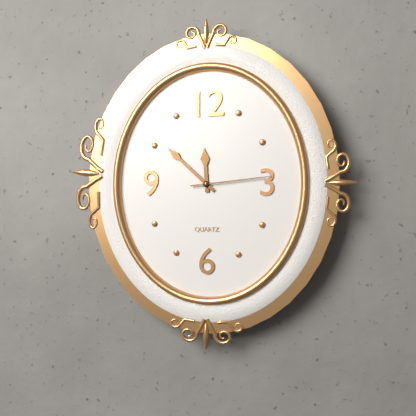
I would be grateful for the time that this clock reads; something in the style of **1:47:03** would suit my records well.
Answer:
**11:52:14**
